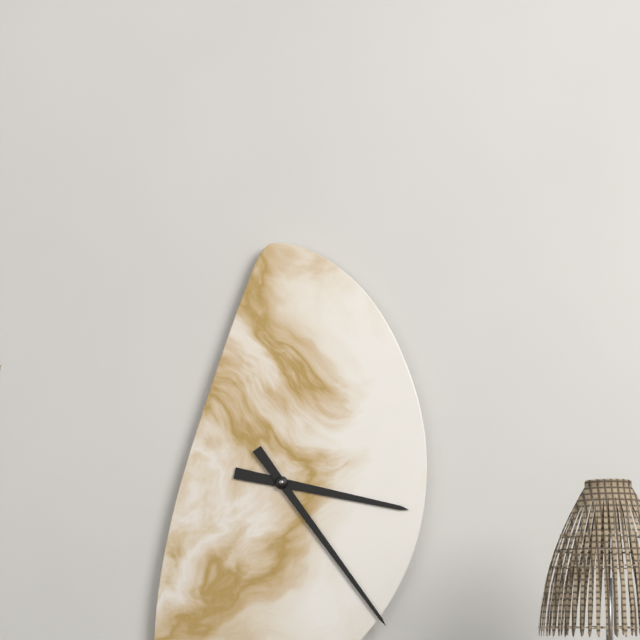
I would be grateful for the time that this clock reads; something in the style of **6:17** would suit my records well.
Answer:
**3:24**
